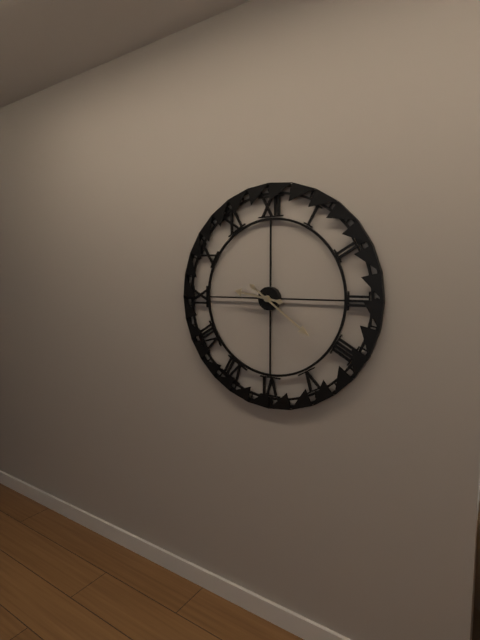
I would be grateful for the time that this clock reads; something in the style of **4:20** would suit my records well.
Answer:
**9:21**
